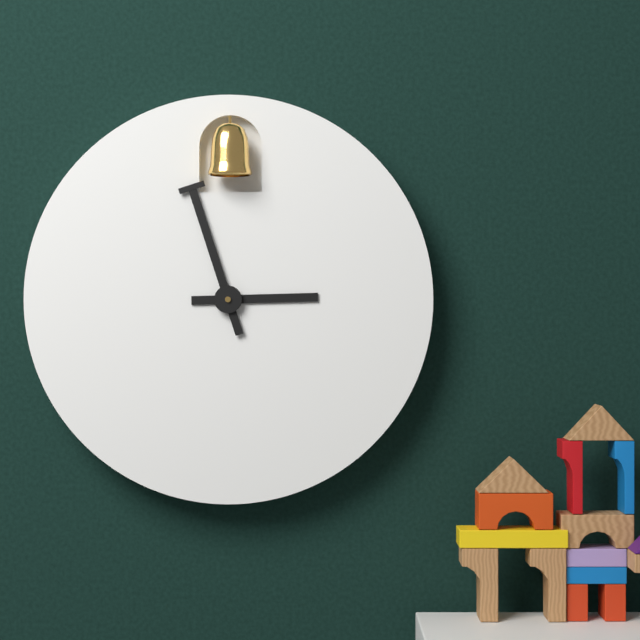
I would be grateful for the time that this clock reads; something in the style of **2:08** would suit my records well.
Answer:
**2:57**
